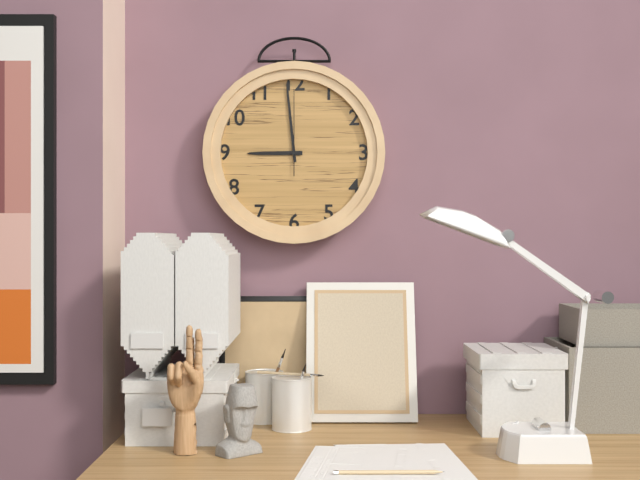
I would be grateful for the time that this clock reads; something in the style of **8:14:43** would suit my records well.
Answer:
**8:59:00**
